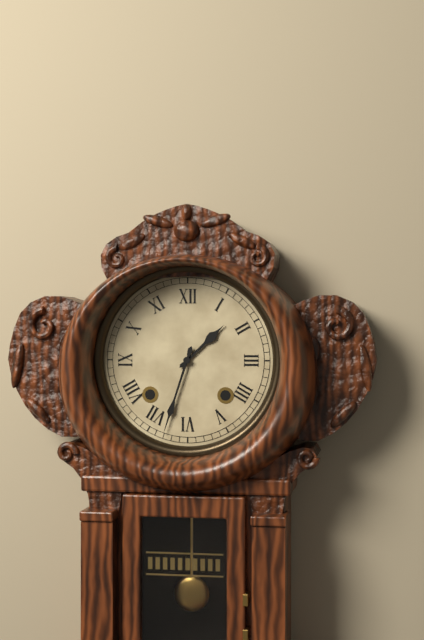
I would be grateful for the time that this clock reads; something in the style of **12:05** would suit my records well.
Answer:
**1:33**
